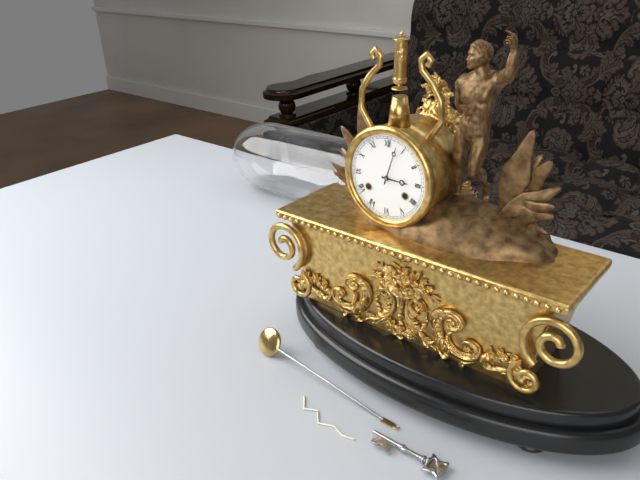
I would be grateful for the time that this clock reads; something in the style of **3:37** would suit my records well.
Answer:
**3:03**
